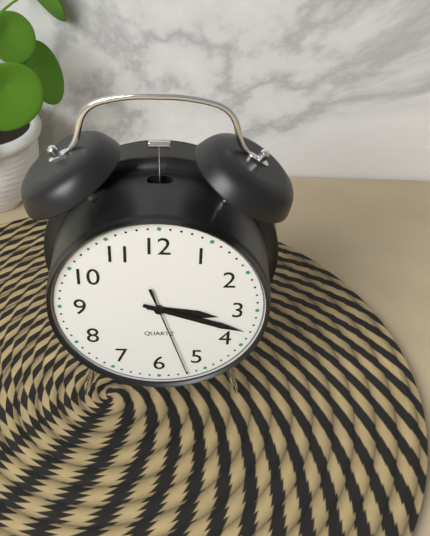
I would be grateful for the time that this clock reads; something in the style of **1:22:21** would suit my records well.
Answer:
**3:18:27**
